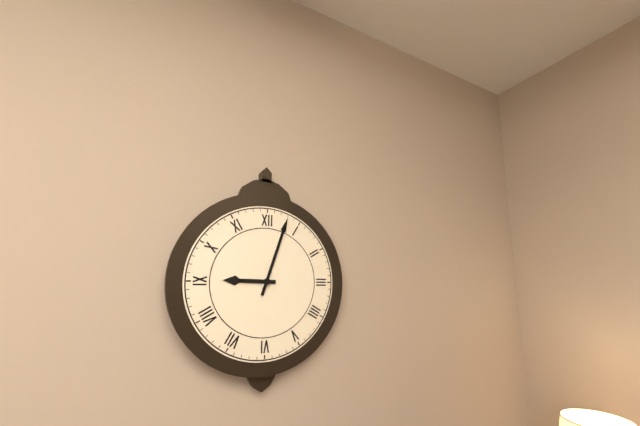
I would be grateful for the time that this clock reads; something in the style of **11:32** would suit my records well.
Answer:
**9:03**
